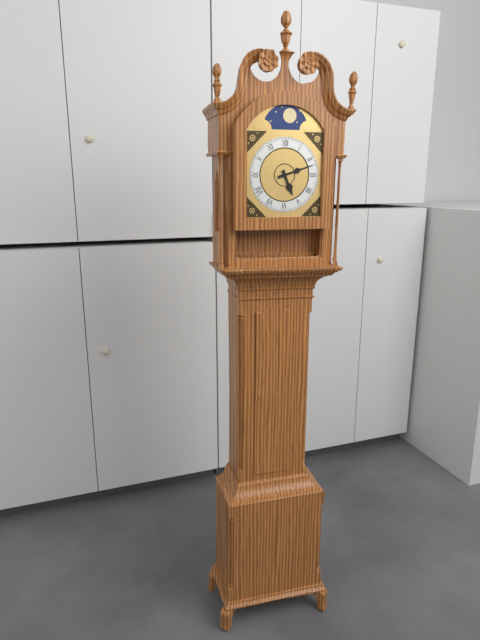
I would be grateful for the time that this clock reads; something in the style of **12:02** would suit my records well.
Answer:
**5:12**
